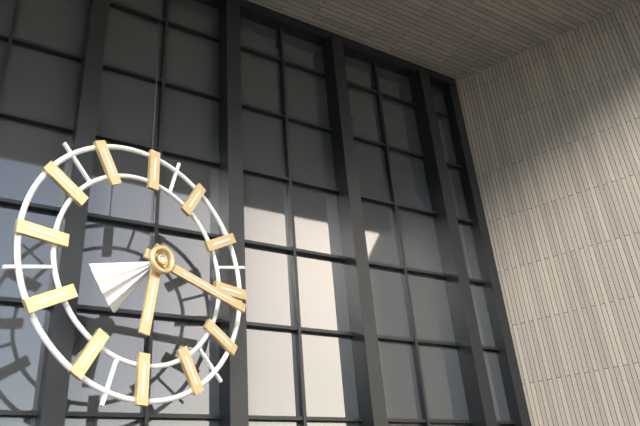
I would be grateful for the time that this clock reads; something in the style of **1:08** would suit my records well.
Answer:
**6:17**
